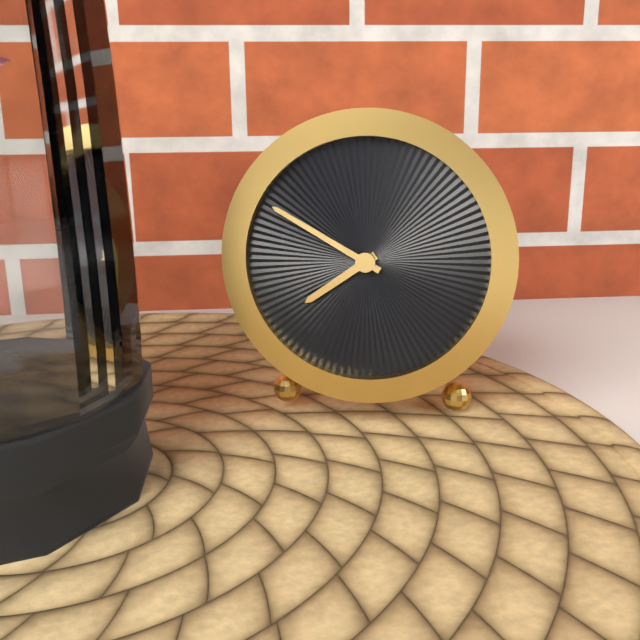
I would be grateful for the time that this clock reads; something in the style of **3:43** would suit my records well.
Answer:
**7:50**
